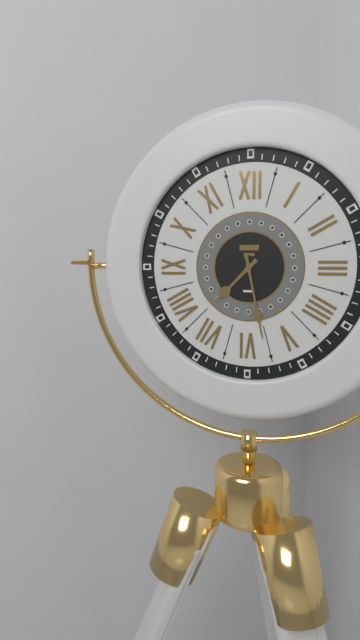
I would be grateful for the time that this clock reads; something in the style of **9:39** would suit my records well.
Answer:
**7:28**
